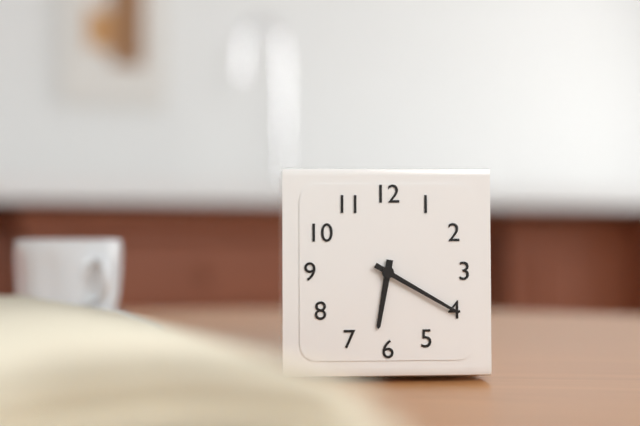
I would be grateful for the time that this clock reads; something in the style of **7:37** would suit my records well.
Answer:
**6:20**
